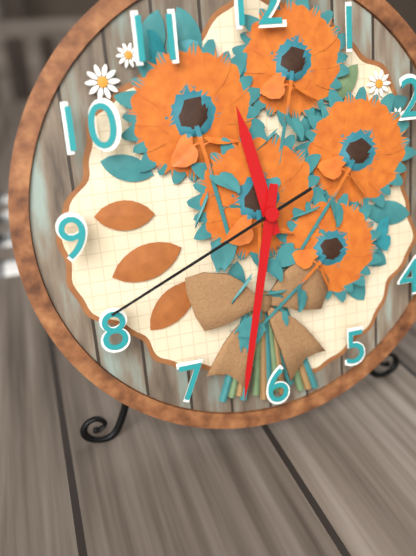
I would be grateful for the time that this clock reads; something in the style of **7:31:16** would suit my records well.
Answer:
**11:32:41**
